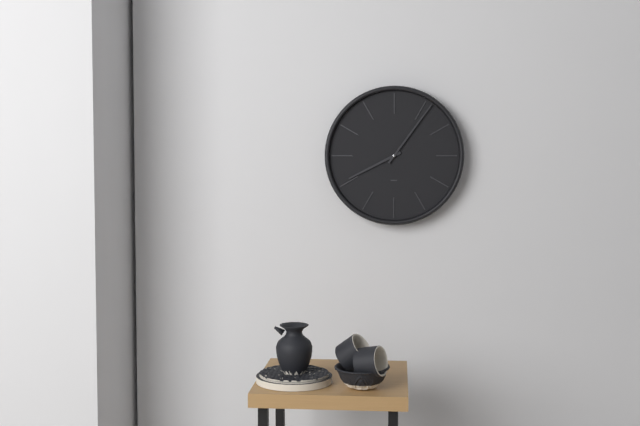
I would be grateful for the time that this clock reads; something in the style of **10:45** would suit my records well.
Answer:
**8:06**
